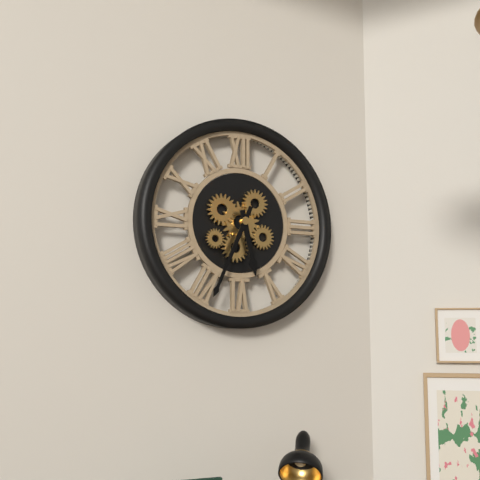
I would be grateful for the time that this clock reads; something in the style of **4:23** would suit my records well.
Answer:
**5:34**
